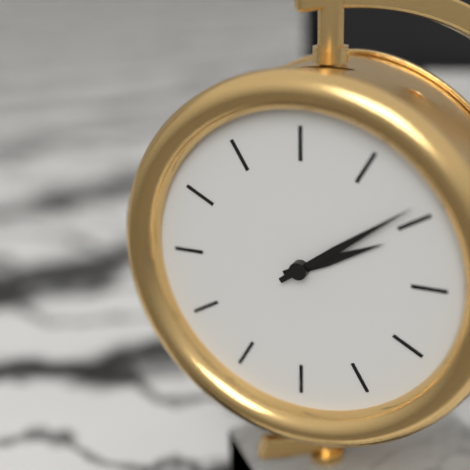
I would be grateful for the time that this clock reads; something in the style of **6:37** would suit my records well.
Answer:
**2:09**
